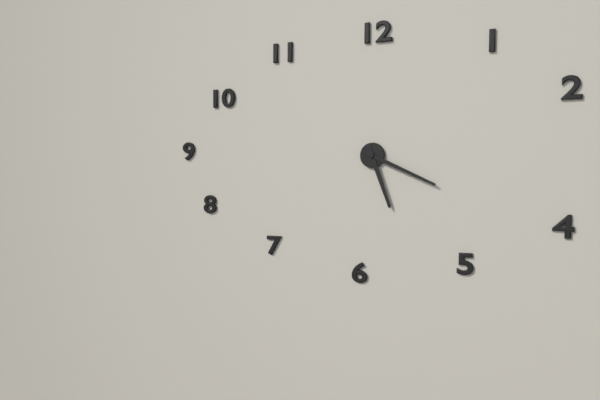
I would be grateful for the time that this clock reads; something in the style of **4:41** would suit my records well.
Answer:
**5:19**
